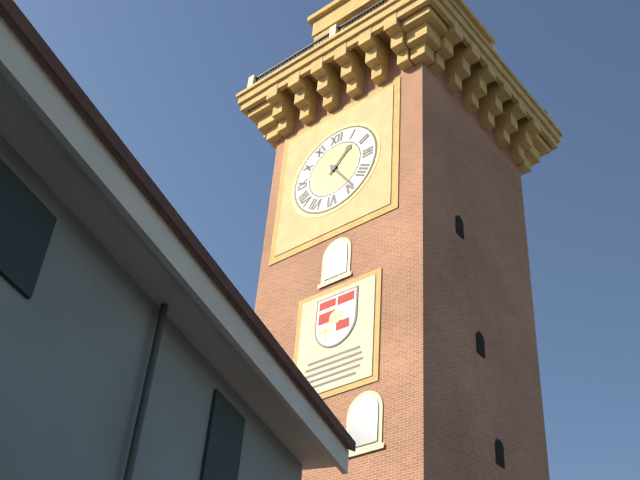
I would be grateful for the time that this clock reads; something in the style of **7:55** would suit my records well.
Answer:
**1:24**
